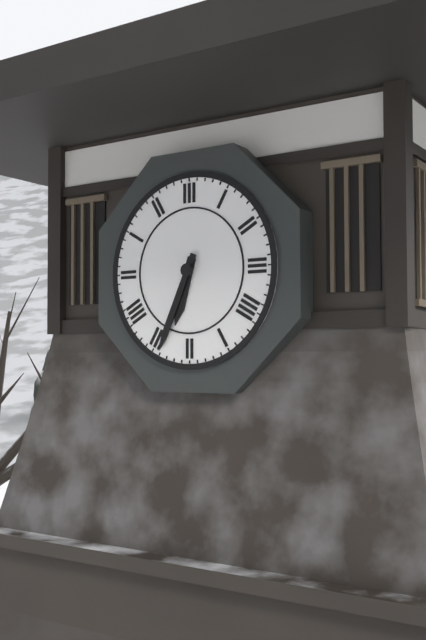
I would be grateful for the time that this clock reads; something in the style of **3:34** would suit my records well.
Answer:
**6:34**
